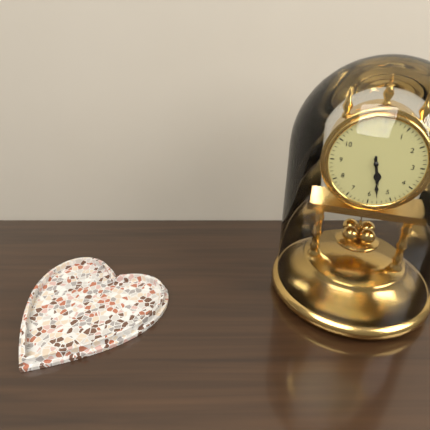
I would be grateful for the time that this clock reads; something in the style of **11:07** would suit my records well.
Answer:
**5:28**
